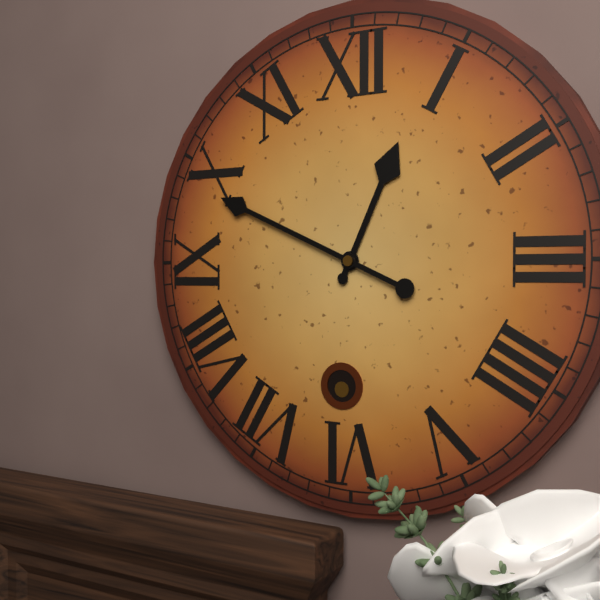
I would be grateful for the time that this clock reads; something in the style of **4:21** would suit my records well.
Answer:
**12:49**
